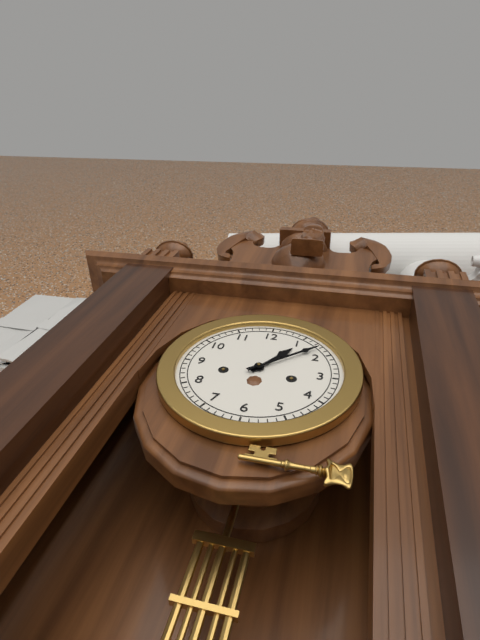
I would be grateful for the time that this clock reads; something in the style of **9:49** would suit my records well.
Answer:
**1:08**
